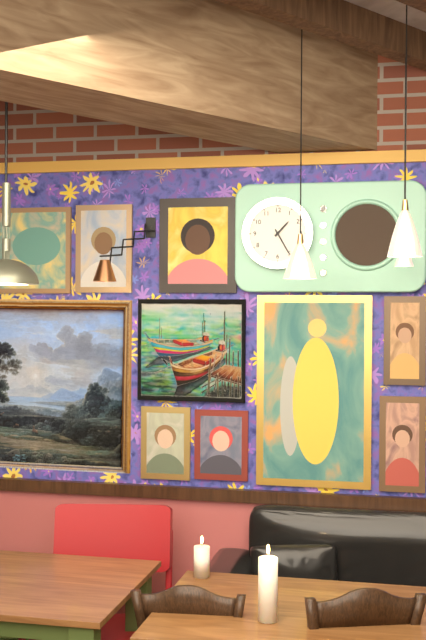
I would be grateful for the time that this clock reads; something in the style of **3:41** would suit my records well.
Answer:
**1:25**
